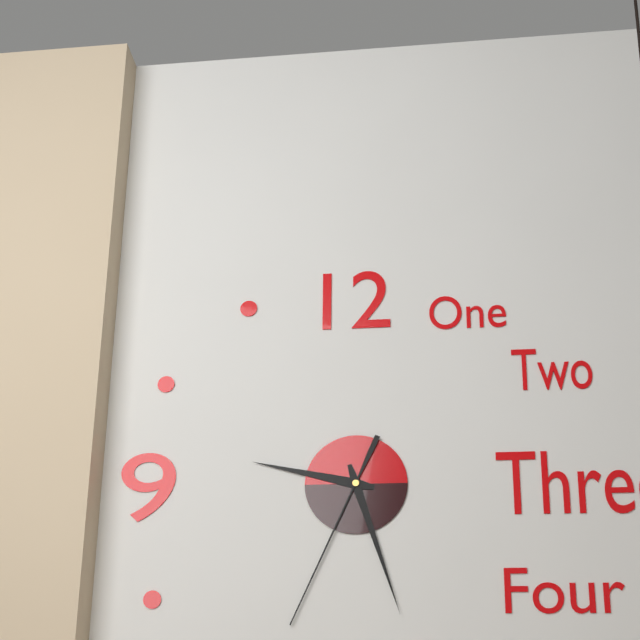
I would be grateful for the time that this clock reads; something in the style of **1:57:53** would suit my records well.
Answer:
**9:27:34**
